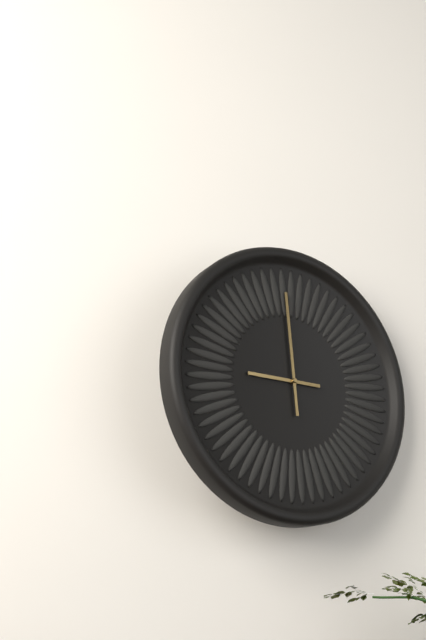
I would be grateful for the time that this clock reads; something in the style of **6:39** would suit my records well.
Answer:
**8:59**
